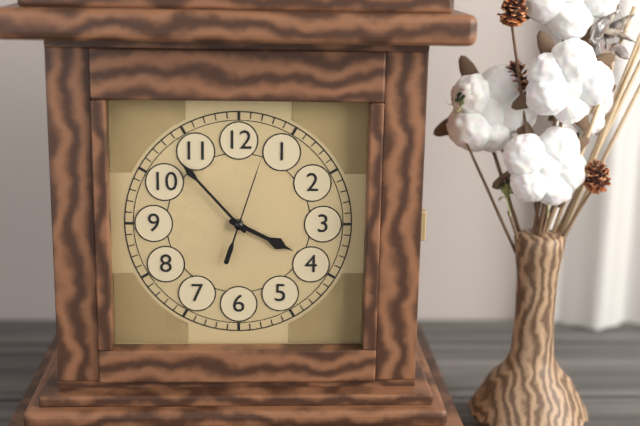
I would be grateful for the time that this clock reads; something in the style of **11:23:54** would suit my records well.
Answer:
**3:53:03**
